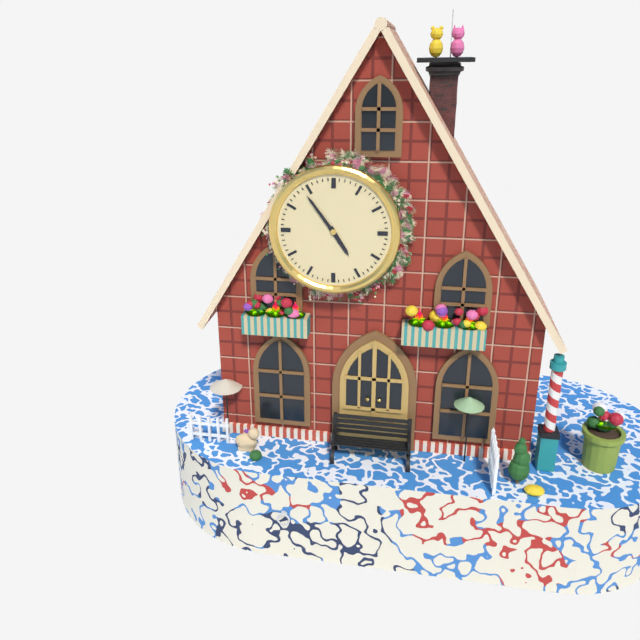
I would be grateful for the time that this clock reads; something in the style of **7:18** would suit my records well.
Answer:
**4:54**
